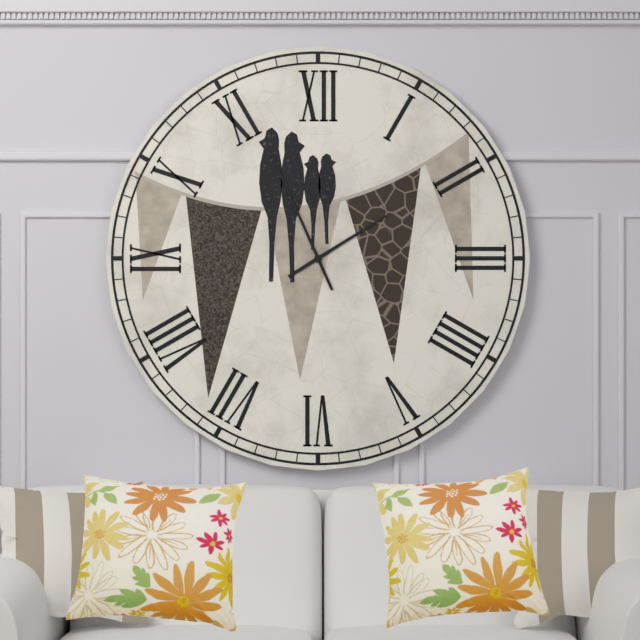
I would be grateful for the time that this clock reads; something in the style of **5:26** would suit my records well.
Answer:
**1:56**
